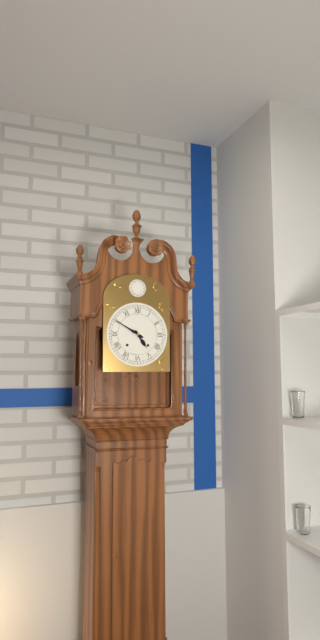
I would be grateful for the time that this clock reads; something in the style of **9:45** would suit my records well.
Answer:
**4:50**
